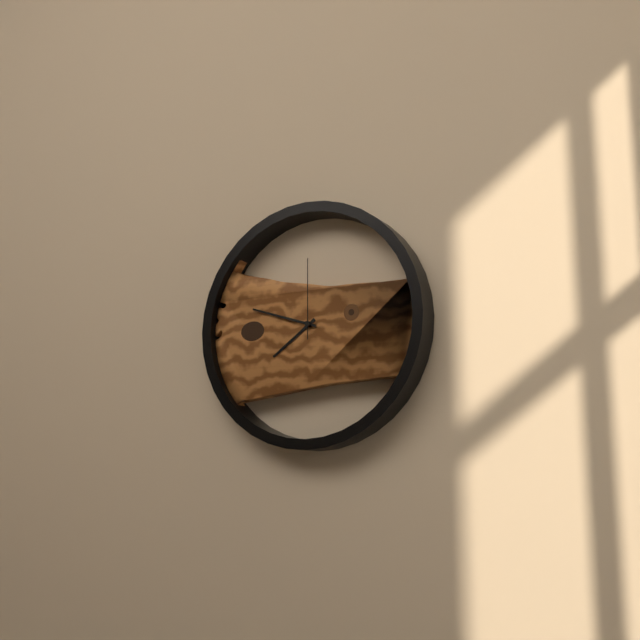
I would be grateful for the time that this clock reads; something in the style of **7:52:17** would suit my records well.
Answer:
**7:48:00**
